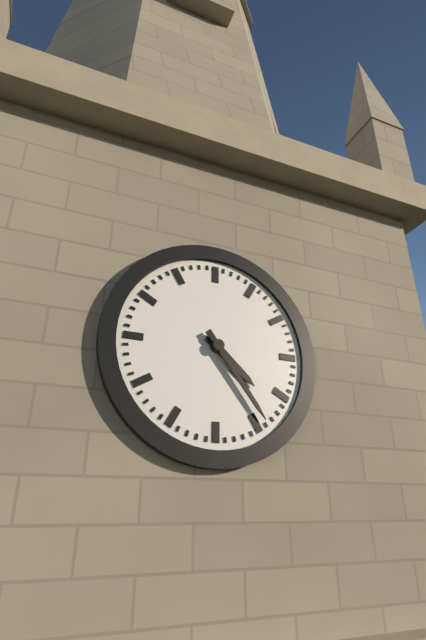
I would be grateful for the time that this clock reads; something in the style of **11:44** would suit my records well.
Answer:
**4:24**
